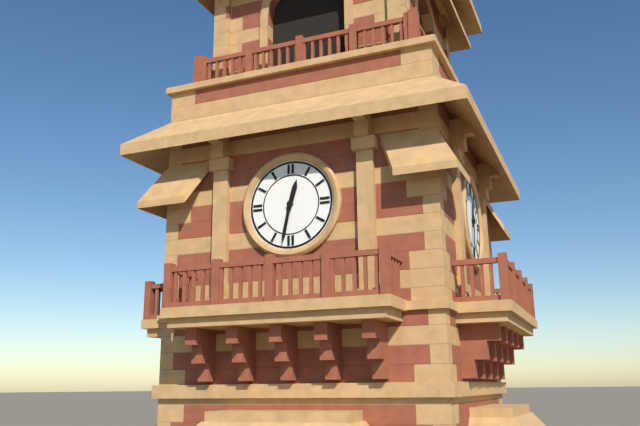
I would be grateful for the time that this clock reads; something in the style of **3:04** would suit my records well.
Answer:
**12:32**
